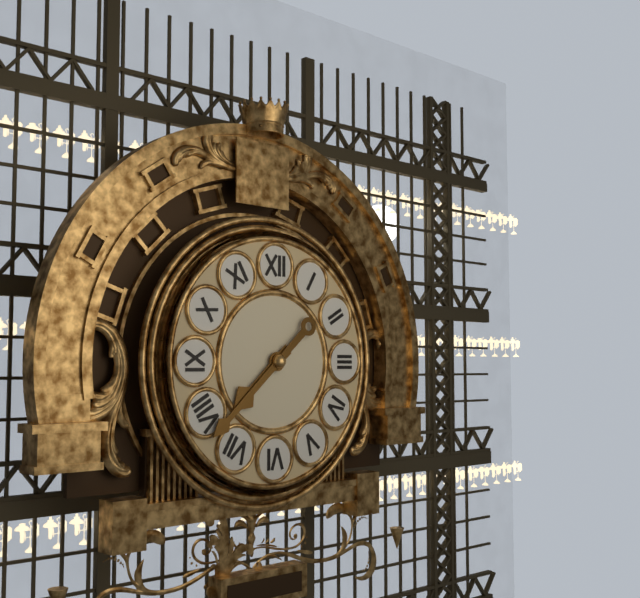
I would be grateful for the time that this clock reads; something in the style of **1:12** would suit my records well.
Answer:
**7:38**
